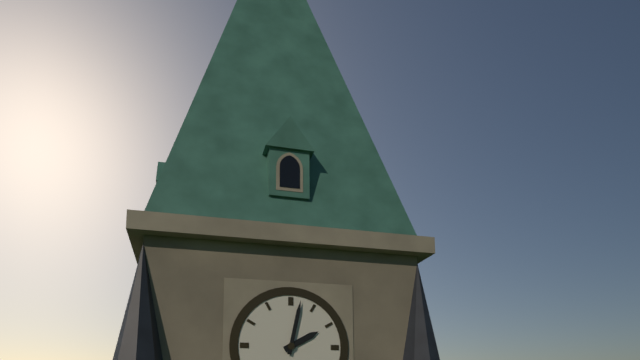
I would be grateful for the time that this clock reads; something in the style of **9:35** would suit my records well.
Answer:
**2:02**
